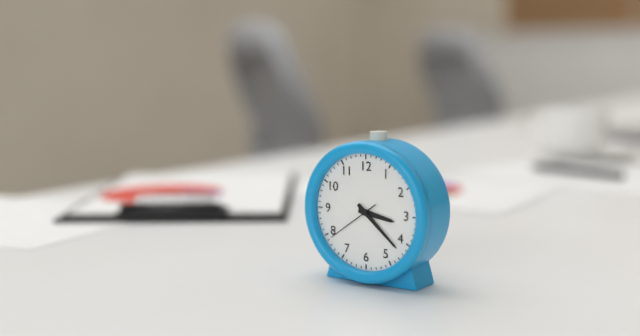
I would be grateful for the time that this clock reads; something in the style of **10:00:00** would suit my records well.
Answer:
**3:22:39**
